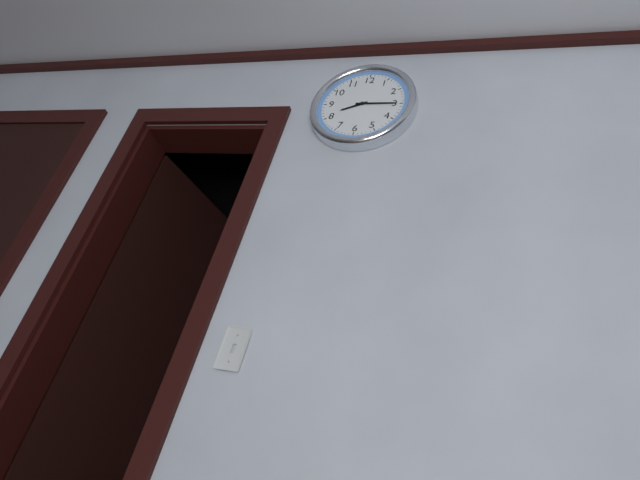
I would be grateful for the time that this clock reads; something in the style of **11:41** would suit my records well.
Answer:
**8:15**
